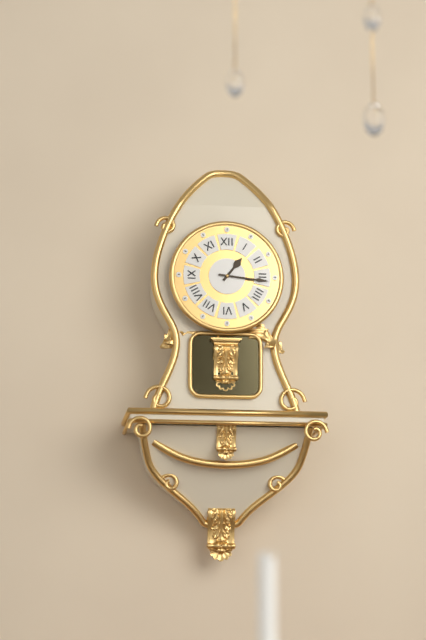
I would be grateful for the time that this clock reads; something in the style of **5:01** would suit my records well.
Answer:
**1:16**
